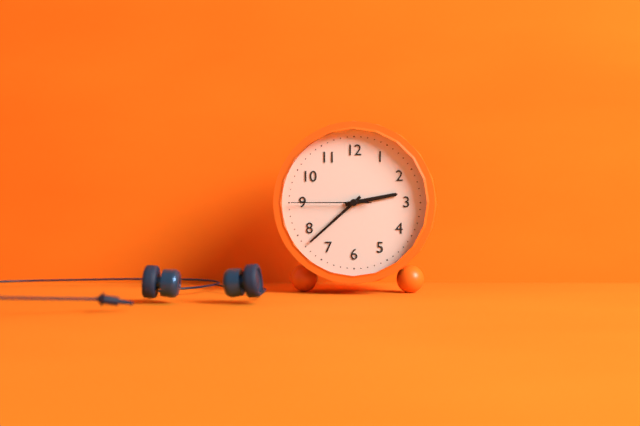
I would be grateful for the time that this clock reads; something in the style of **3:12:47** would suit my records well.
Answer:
**2:38:45**
